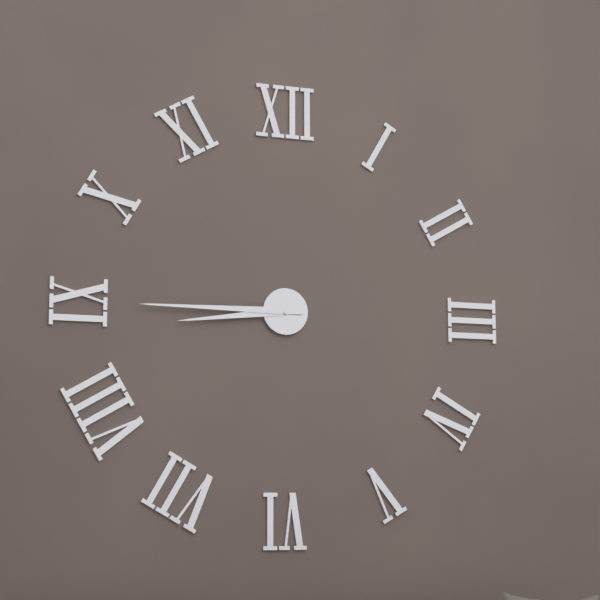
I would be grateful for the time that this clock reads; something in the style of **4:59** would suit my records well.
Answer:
**8:45**
